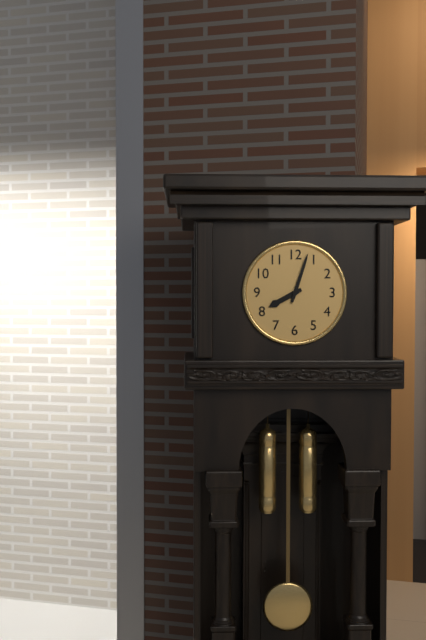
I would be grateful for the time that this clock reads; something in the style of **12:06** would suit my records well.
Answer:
**8:03**
